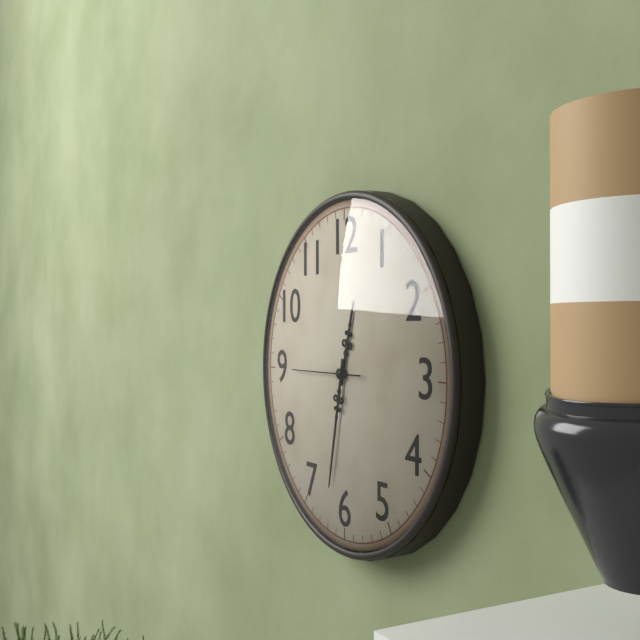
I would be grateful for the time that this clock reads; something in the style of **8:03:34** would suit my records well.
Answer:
**12:32:45**
